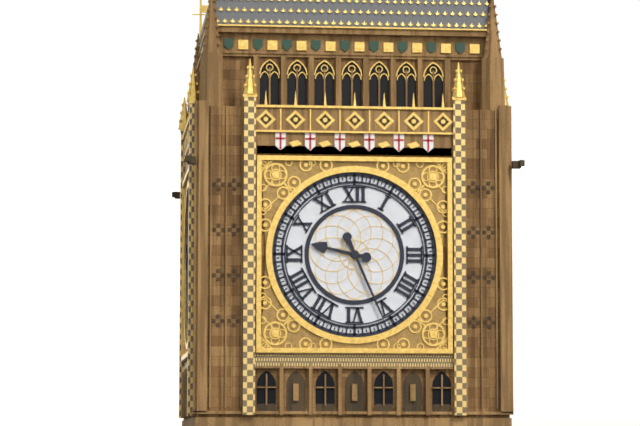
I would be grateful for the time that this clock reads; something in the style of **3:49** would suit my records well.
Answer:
**9:26**
